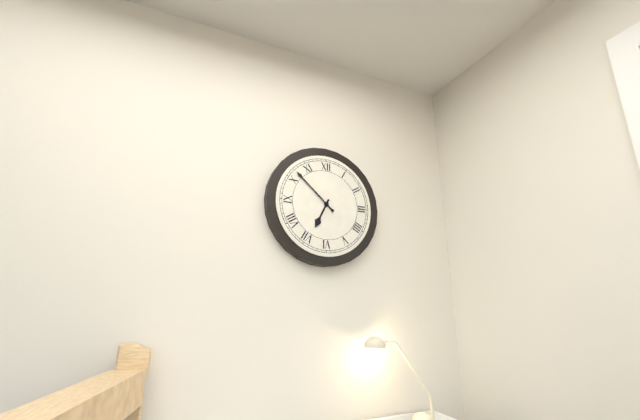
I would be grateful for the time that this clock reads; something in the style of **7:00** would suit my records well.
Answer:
**6:52**
